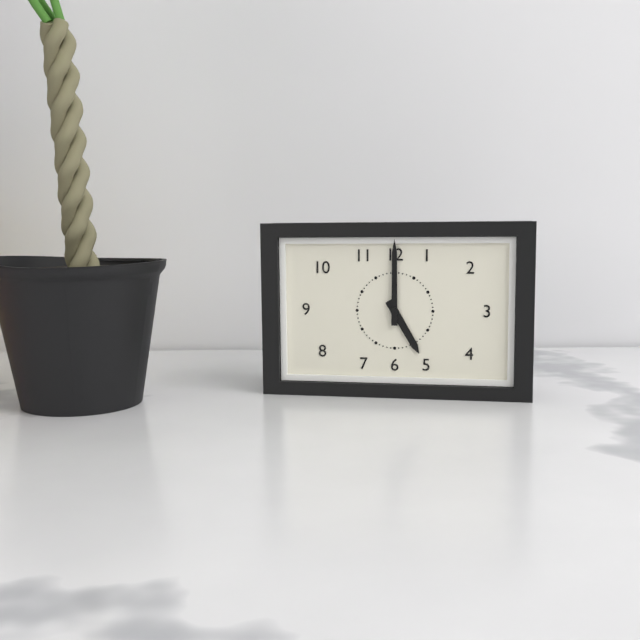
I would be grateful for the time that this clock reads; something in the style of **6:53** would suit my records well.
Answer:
**5:00**
